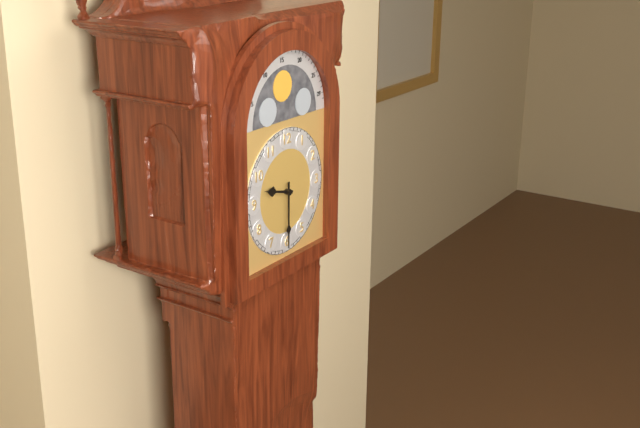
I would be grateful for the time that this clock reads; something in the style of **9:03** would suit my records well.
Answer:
**9:30**
